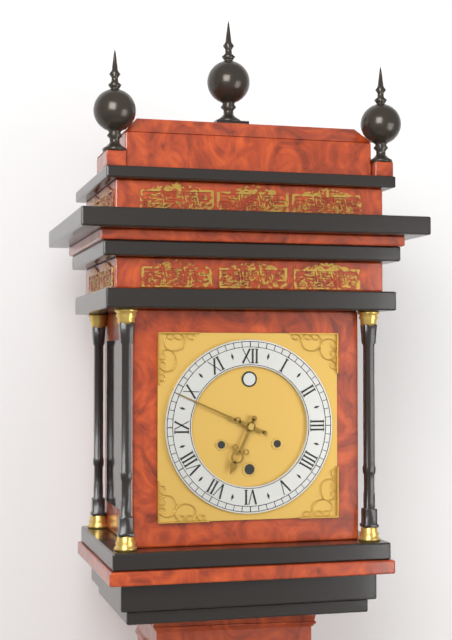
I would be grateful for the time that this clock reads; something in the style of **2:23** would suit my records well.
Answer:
**6:49**
